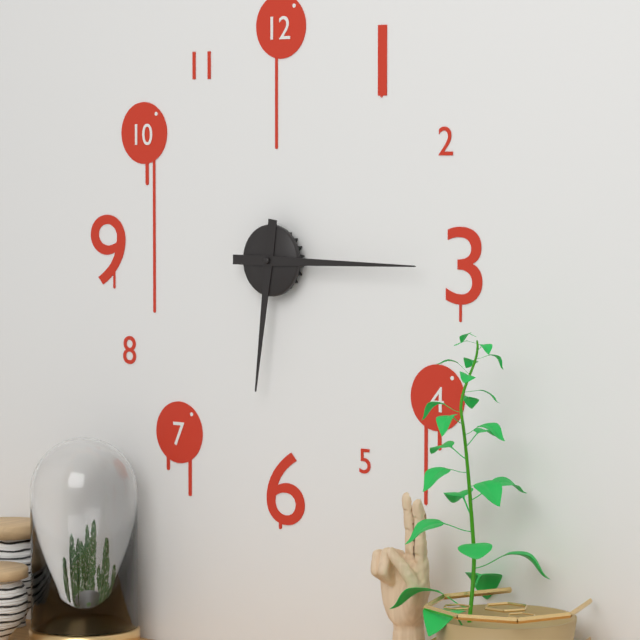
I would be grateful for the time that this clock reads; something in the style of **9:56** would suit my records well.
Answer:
**6:15**
